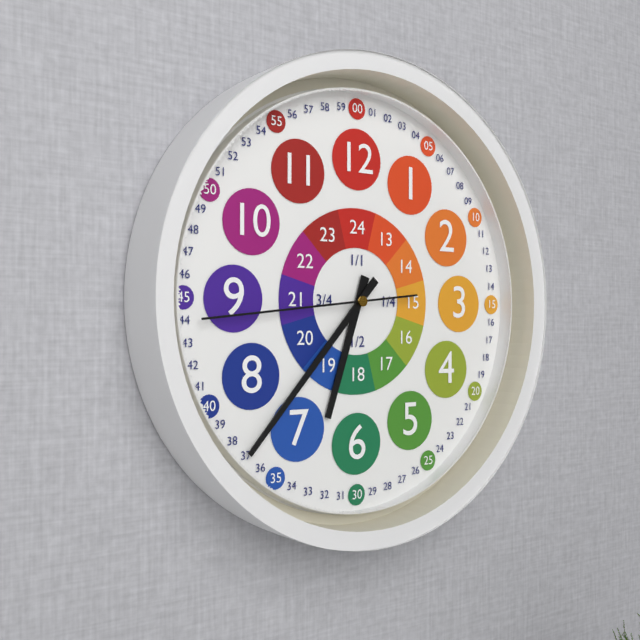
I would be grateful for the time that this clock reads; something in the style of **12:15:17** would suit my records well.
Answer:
**6:37:44**
